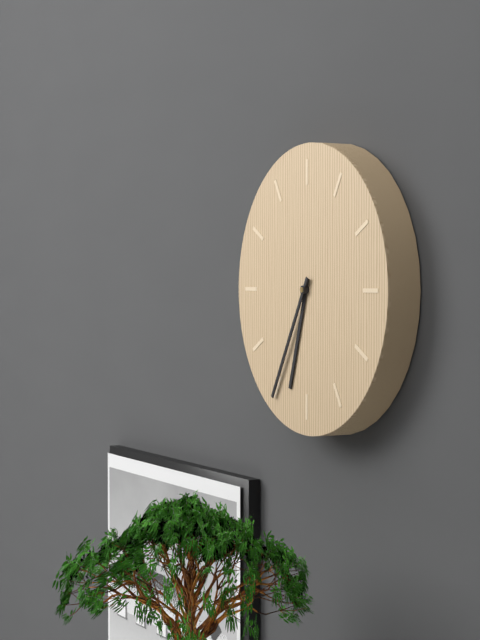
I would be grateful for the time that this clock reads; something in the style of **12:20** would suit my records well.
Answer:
**6:35**
